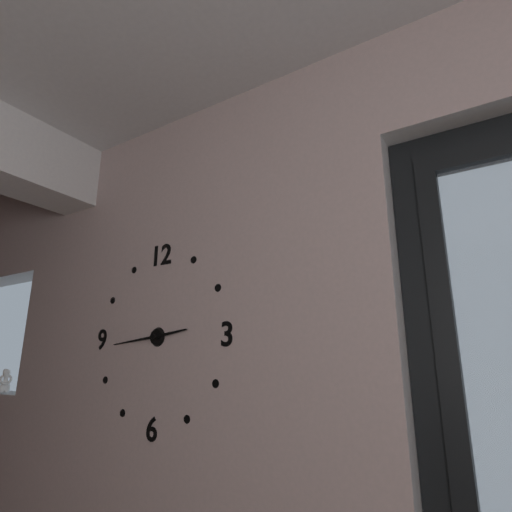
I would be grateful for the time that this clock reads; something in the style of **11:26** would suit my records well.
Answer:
**2:44**
